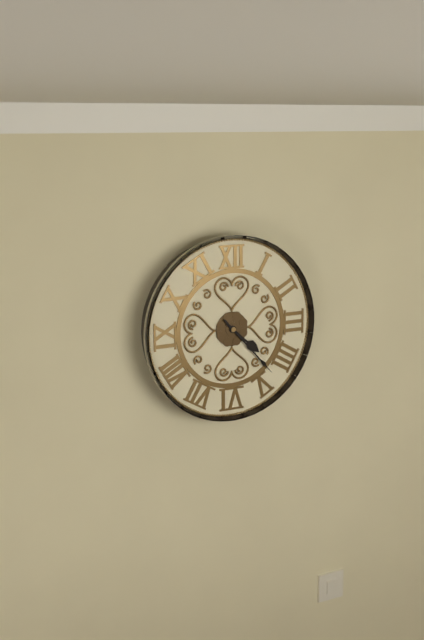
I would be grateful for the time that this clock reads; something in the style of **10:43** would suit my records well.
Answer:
**4:23**
